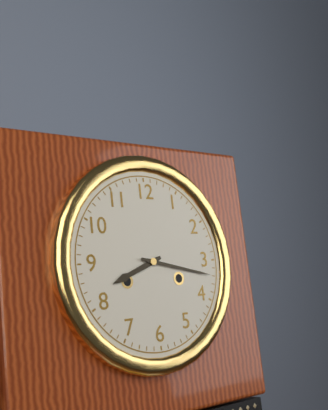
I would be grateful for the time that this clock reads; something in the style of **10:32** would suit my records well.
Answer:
**8:17**
